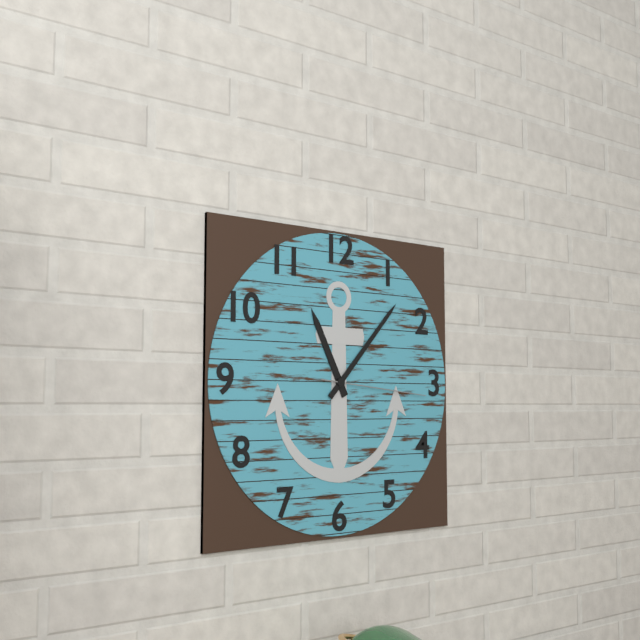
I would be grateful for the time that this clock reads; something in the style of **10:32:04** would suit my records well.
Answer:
**11:07:16**
